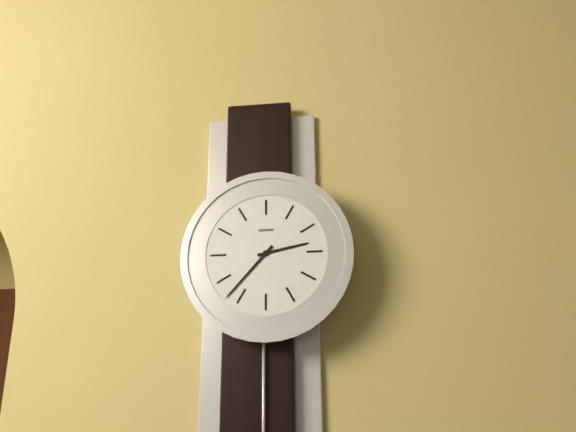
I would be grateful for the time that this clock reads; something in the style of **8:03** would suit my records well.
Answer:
**2:37**
